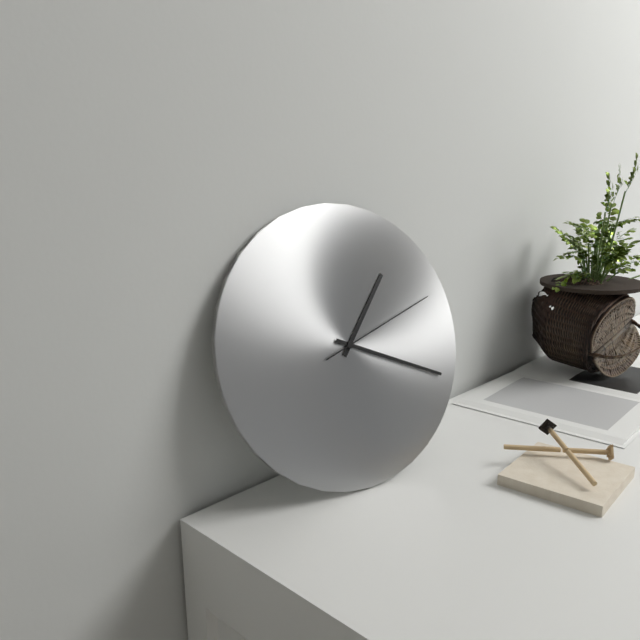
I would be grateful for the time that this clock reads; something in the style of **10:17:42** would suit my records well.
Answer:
**1:19:12**
